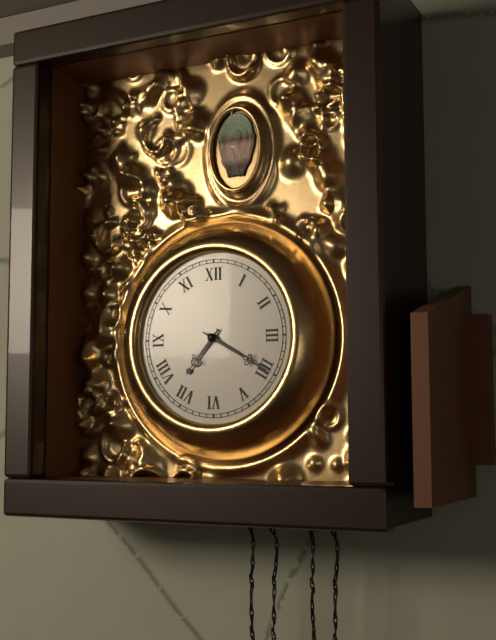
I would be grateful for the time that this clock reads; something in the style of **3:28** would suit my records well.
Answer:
**7:20**
